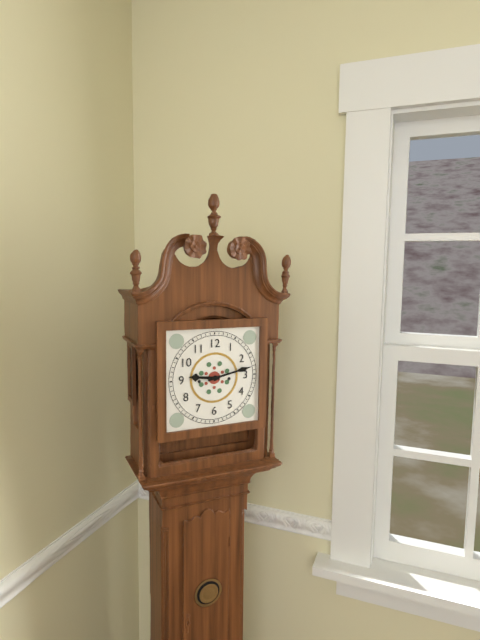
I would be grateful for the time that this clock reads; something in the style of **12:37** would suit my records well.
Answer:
**9:13**
